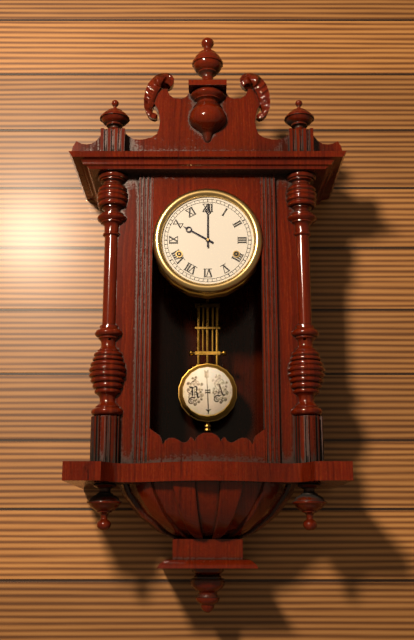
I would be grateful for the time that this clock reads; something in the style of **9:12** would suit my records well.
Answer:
**10:00**
